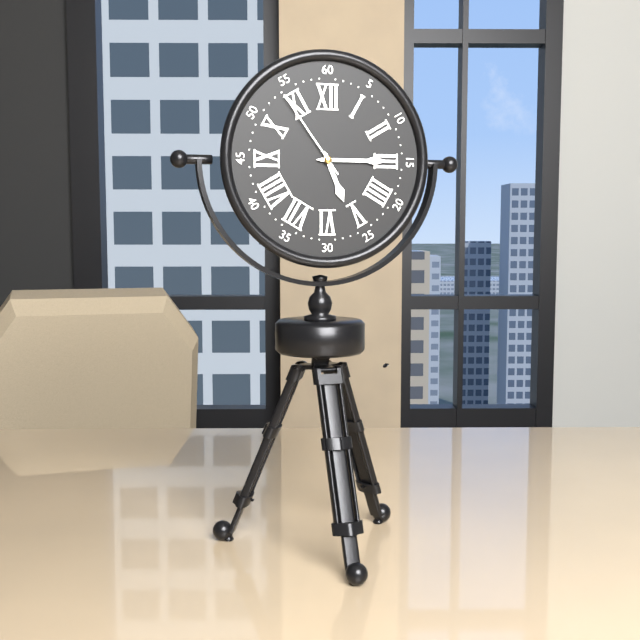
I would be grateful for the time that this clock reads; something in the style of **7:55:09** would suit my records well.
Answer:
**5:15:54**
